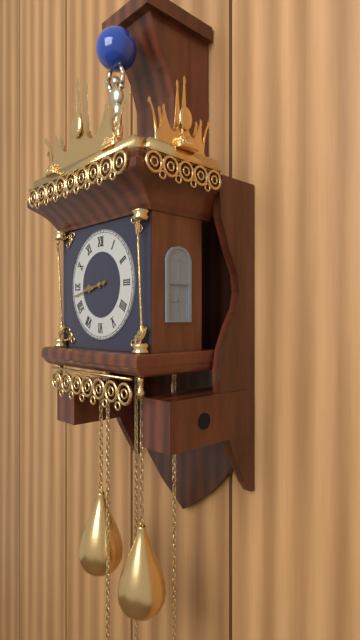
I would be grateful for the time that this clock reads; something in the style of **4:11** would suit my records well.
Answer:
**8:43**
